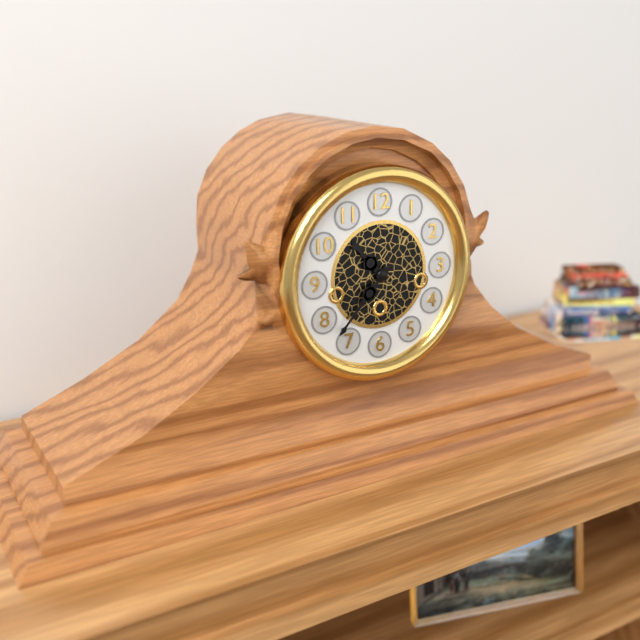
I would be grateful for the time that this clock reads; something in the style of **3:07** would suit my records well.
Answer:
**10:37**
